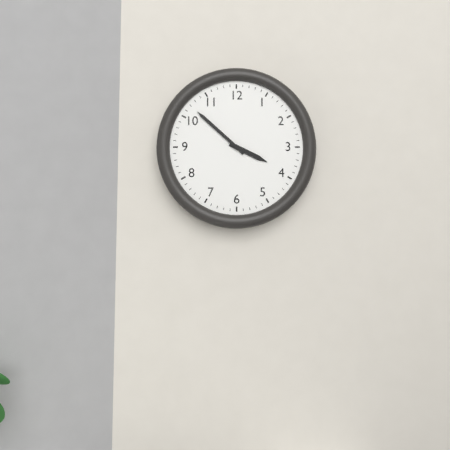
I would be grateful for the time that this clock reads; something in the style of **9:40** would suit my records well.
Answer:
**3:52**
